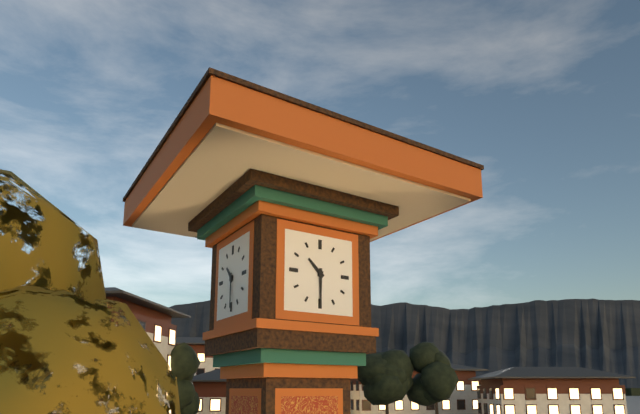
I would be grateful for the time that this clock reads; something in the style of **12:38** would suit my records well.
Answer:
**10:30**
